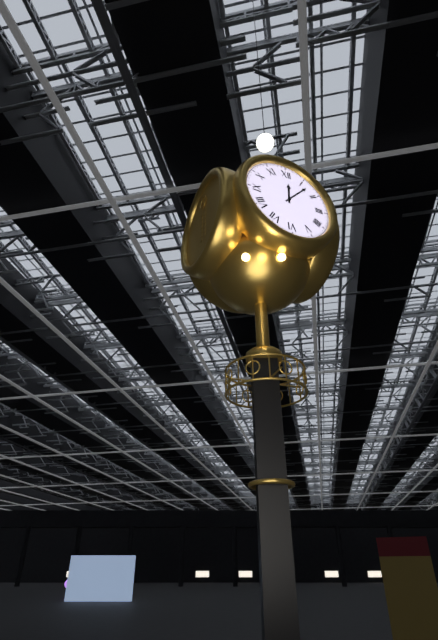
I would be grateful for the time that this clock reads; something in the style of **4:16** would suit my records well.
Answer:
**12:07**
